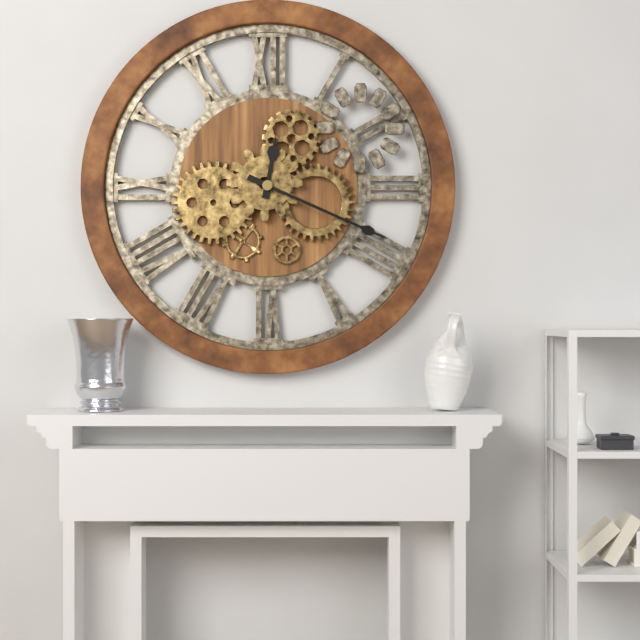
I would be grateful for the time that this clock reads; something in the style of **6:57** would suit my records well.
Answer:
**12:19**
